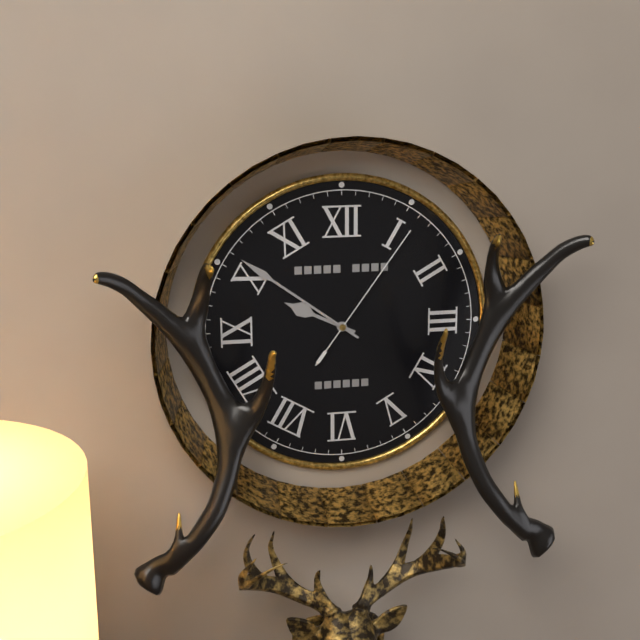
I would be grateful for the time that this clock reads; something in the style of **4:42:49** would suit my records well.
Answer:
**9:51:06**
